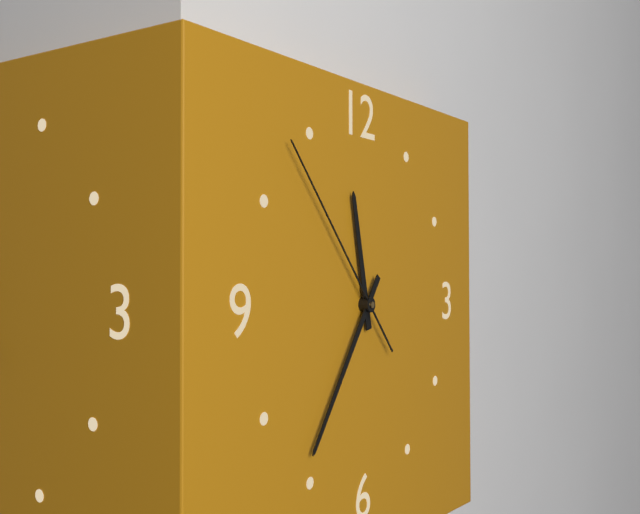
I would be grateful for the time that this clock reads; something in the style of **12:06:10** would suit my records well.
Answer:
**11:36:53**
